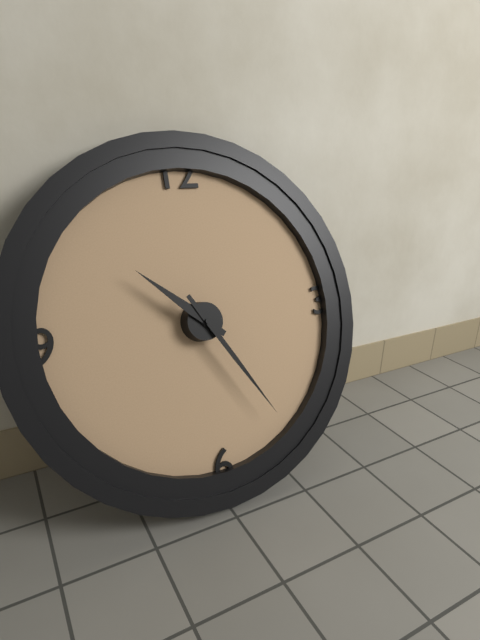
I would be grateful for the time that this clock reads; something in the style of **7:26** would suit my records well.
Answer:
**10:25**
